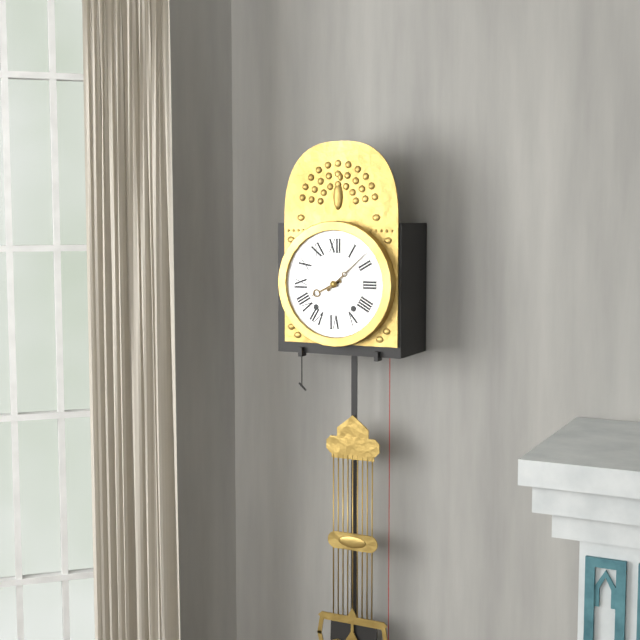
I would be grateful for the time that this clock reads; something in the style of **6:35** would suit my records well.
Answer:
**8:08**
